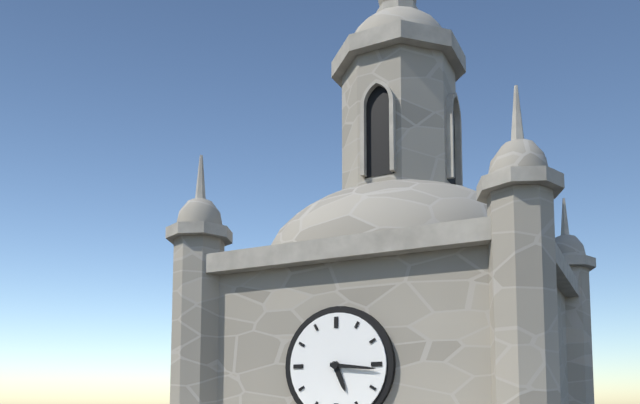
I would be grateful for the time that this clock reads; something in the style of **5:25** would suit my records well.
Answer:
**5:16**
